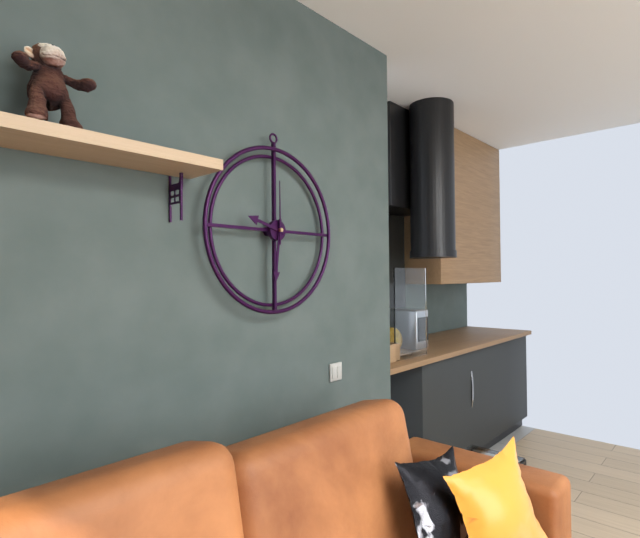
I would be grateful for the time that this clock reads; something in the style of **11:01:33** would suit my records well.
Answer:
**9:31:00**
